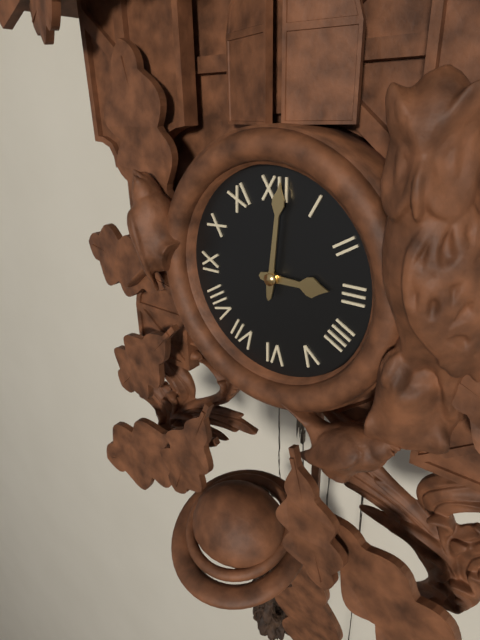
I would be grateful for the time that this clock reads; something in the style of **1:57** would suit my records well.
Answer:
**3:01**
